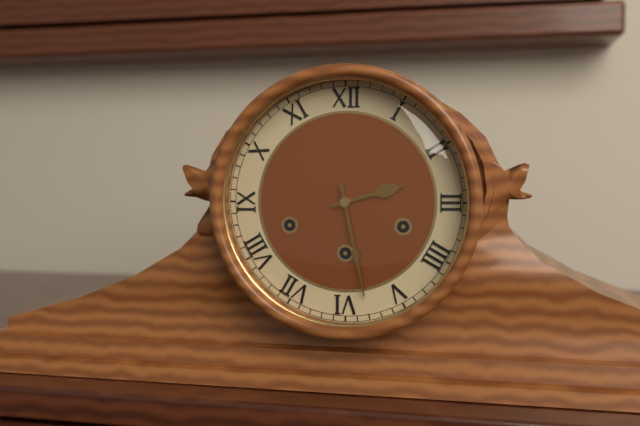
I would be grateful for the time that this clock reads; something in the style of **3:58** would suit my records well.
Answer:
**2:28**
